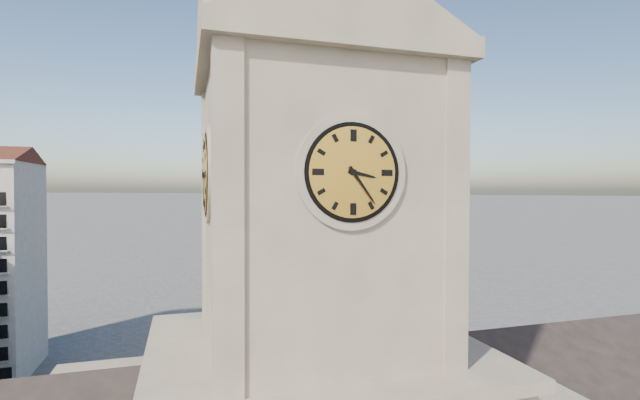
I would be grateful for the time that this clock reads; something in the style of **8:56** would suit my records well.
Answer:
**3:24**
